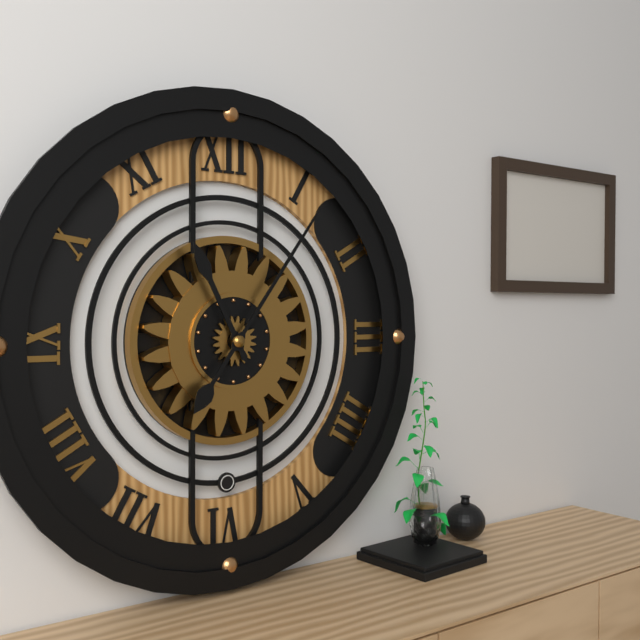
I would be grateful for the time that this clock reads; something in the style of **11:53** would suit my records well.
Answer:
**11:06**
